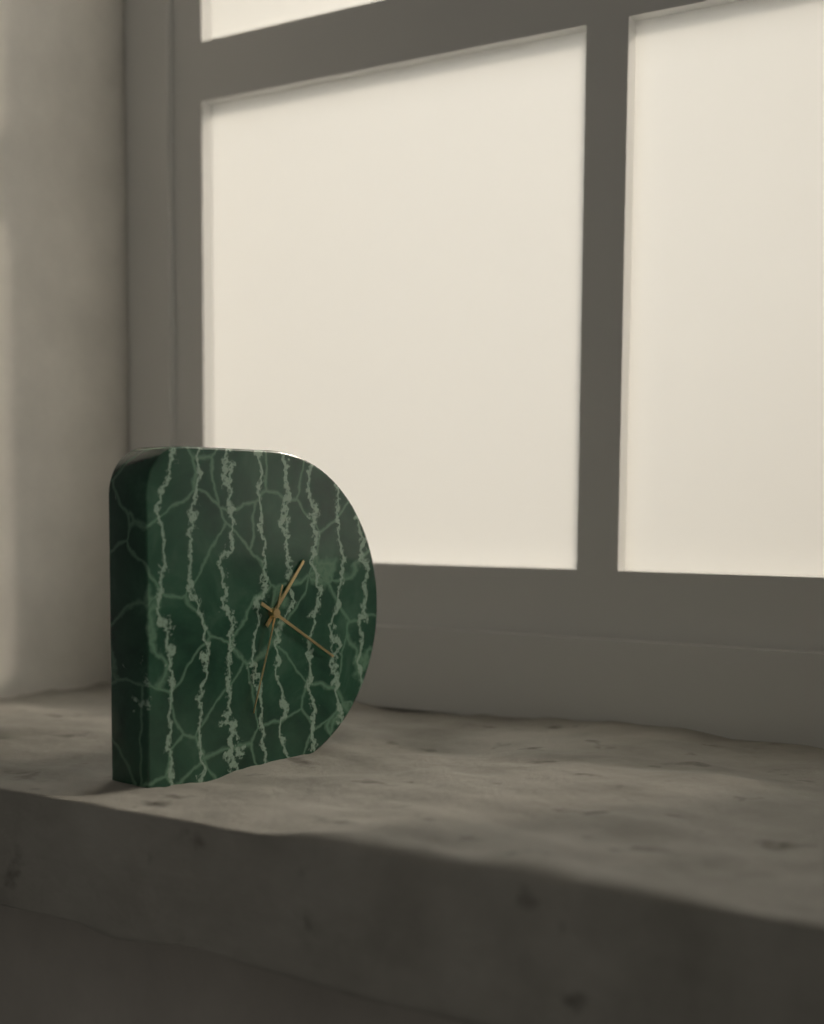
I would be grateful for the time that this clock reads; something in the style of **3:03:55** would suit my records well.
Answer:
**1:20:33**
